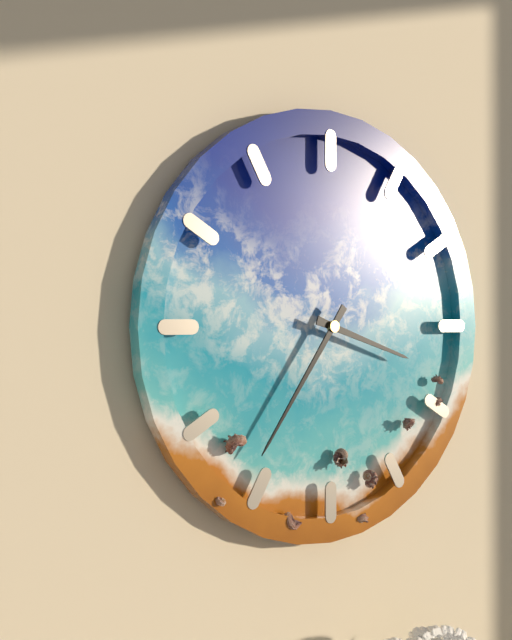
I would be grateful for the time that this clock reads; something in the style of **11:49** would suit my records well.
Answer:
**3:36**
